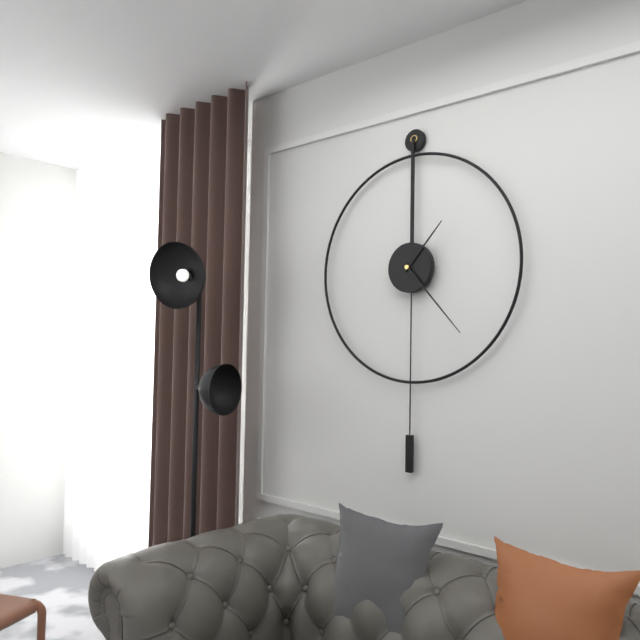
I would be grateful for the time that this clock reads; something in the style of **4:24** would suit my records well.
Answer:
**1:23**
